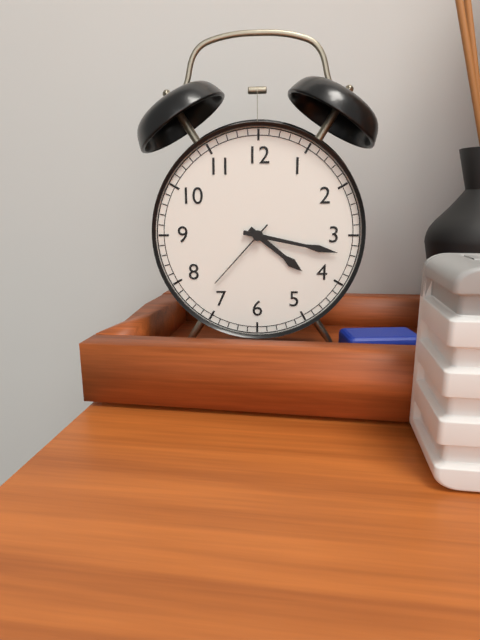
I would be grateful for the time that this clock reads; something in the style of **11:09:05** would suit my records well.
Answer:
**4:17:37**
